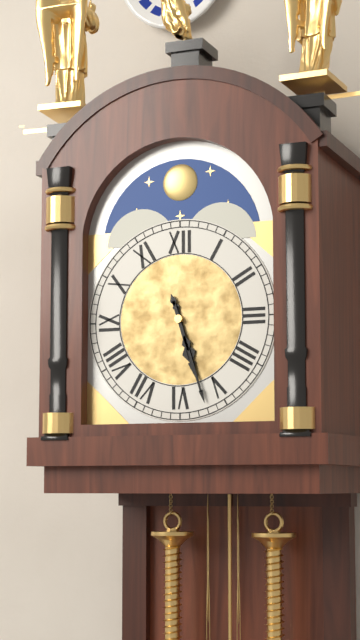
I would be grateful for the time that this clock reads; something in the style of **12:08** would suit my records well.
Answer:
**5:27**
